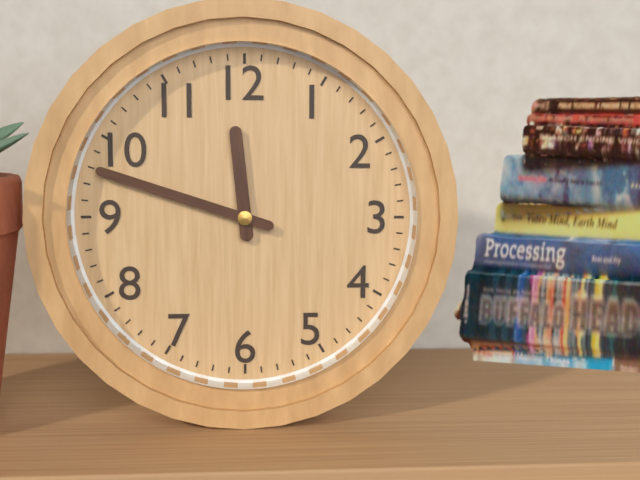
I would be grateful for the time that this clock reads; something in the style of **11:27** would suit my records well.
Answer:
**11:48**
